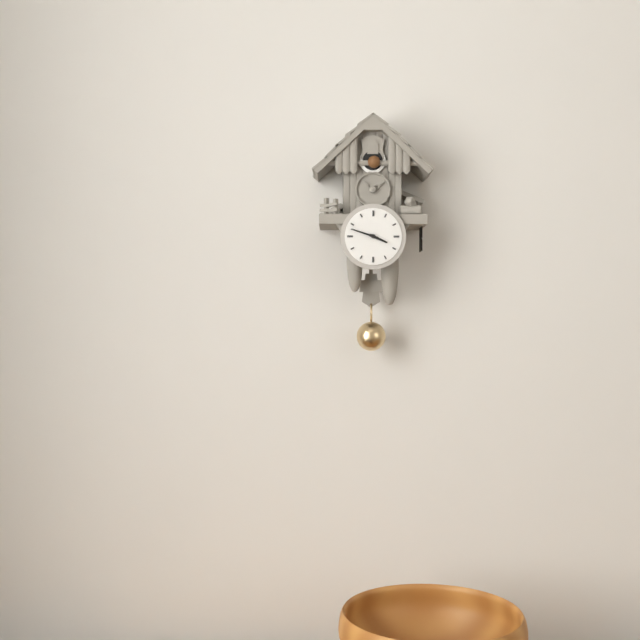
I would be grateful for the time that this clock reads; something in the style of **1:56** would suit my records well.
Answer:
**3:48**
